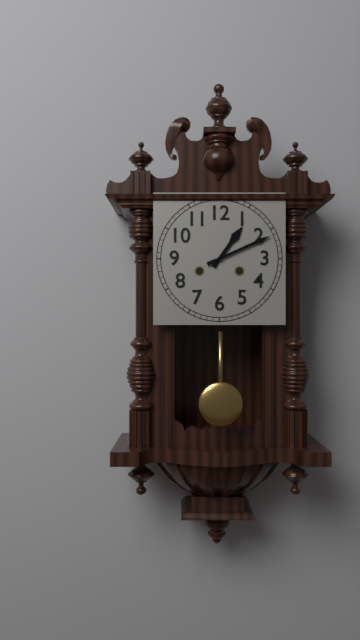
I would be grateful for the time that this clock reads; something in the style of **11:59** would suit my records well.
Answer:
**1:11**
